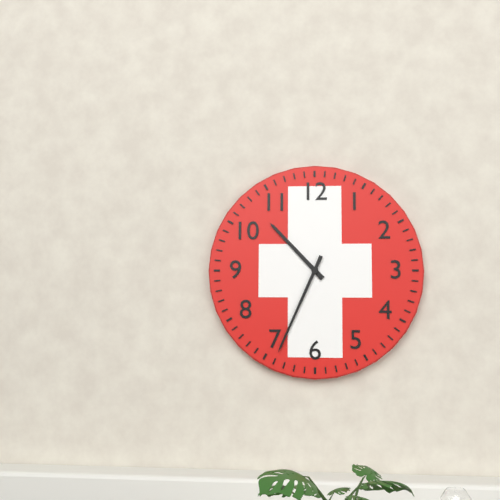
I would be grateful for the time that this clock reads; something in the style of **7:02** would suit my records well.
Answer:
**10:34**
